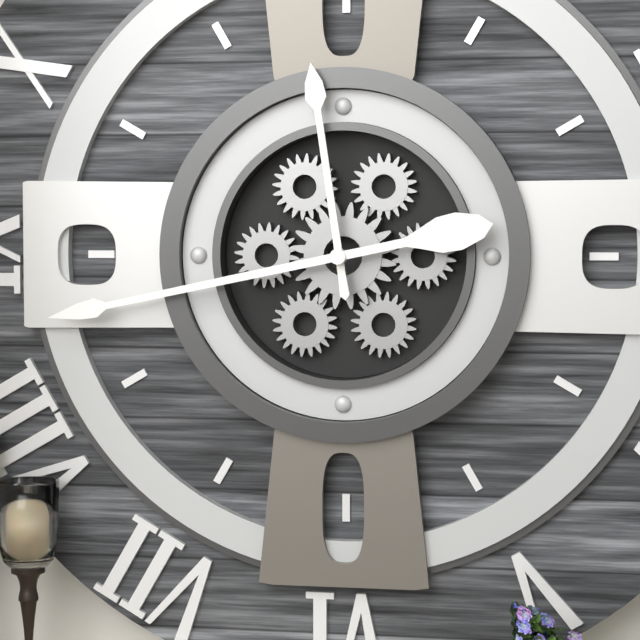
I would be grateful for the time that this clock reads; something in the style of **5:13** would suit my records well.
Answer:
**11:43**
